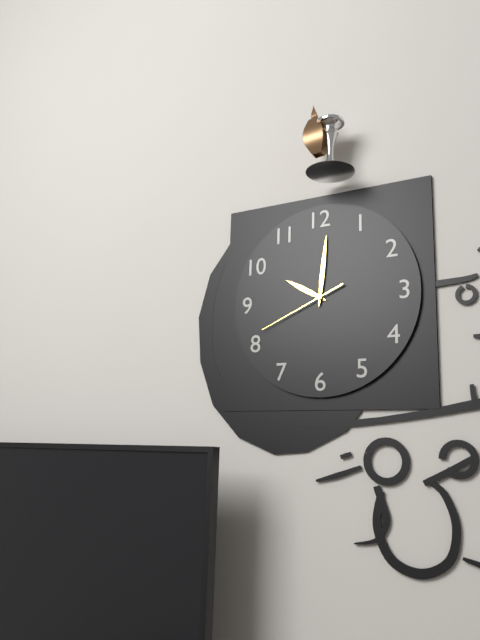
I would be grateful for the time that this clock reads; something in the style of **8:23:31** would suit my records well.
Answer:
**10:01:41**
